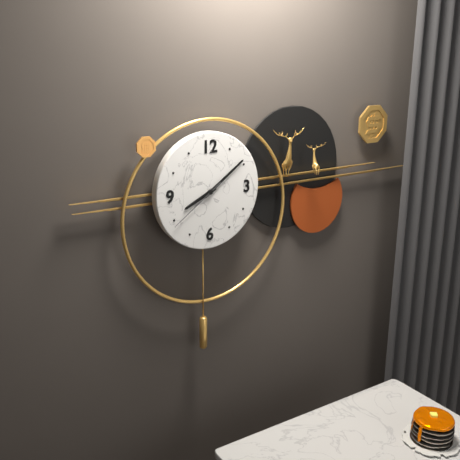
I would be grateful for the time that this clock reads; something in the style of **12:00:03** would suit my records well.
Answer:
**8:09:39**
